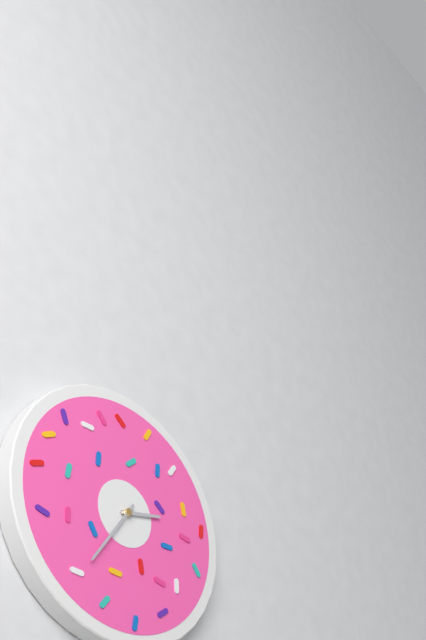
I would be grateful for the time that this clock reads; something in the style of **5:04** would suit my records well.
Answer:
**2:36**
